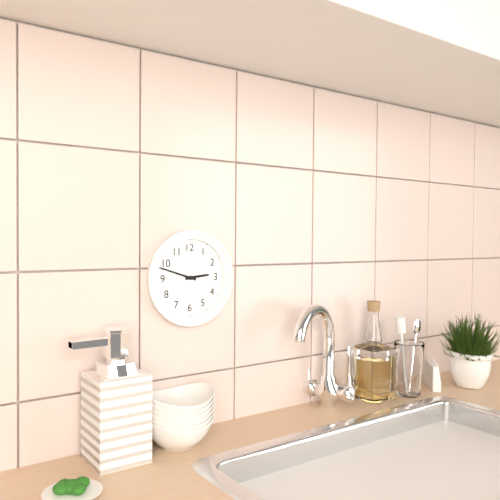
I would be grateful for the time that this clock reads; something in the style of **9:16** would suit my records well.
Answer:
**2:48**
